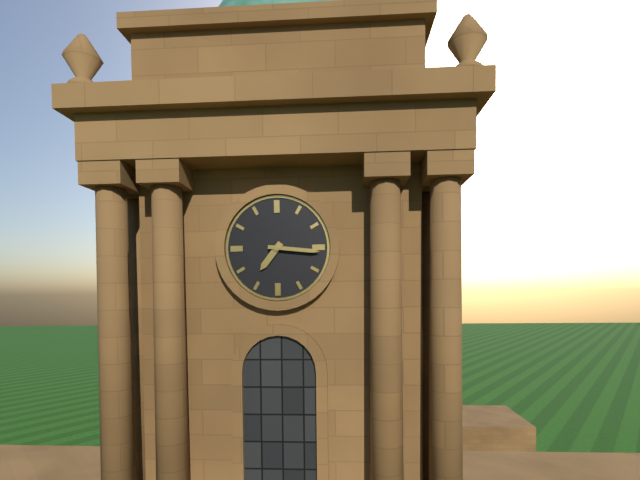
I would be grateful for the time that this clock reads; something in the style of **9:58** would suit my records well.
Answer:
**7:16**
